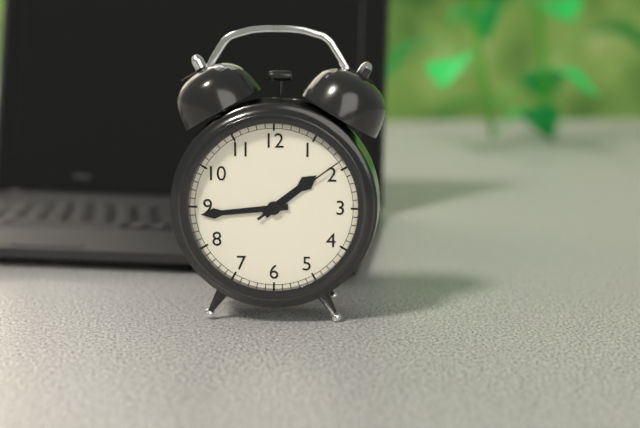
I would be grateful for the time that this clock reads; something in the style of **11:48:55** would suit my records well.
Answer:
**1:44:09**
